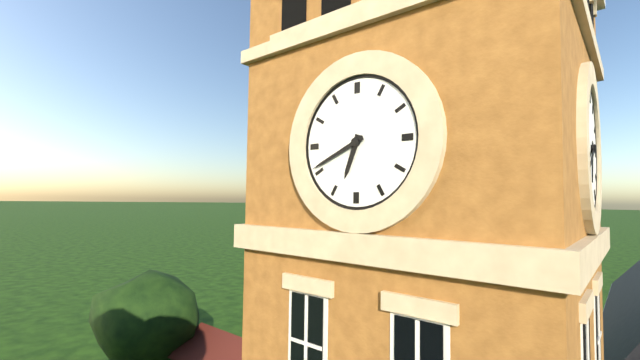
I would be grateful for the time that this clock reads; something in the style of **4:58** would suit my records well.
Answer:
**6:41**
